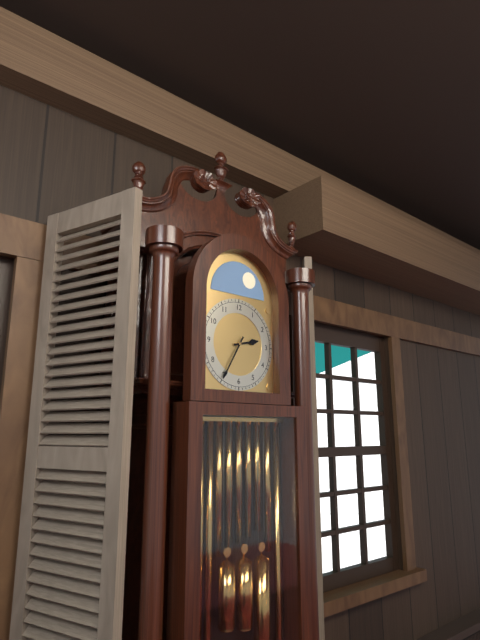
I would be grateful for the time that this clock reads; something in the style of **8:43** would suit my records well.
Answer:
**2:35**
